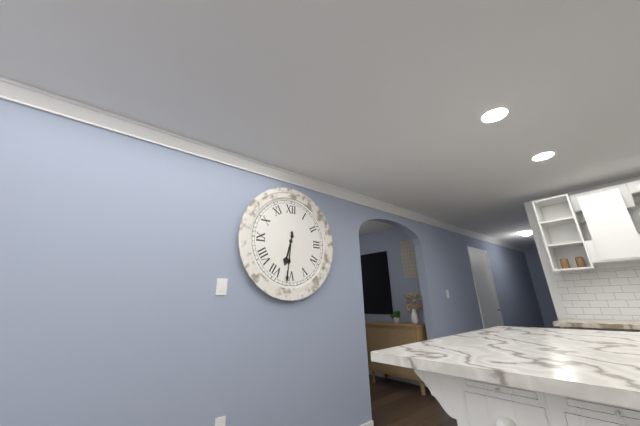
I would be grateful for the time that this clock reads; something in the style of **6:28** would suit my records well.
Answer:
**6:31**
